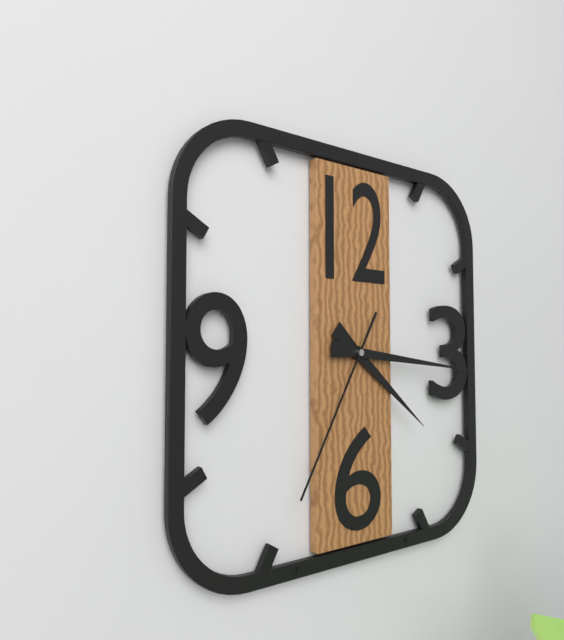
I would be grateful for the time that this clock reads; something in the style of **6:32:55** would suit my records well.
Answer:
**4:16:35**
